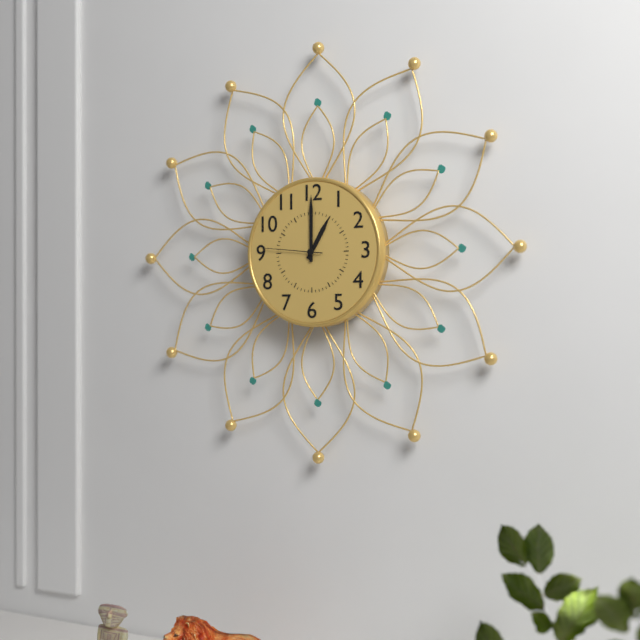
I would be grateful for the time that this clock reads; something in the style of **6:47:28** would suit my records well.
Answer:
**1:00:46**
